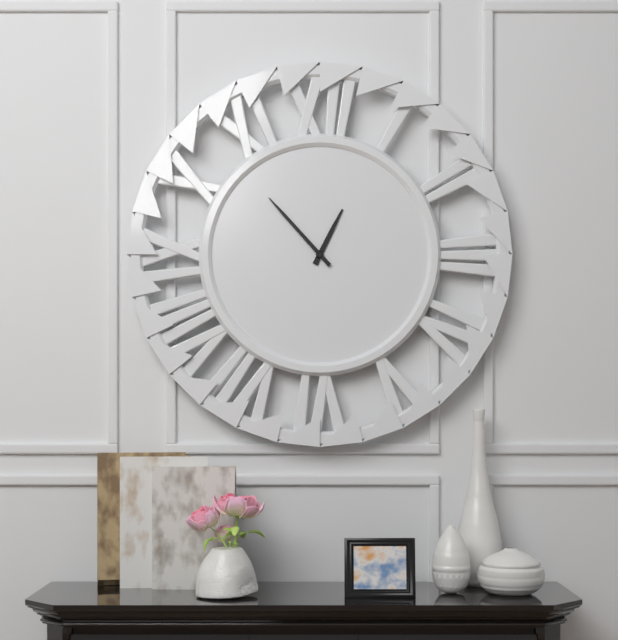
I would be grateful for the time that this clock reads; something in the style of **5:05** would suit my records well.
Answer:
**12:53**
